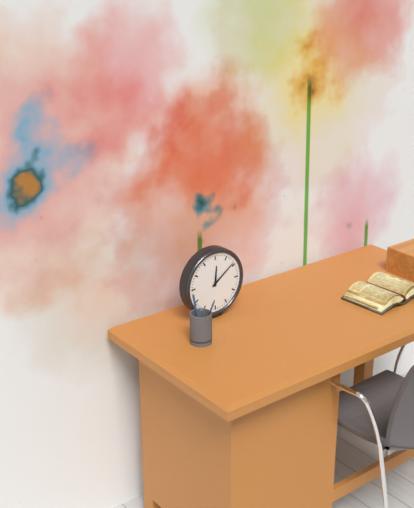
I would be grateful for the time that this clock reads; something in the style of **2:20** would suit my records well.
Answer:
**12:09**
